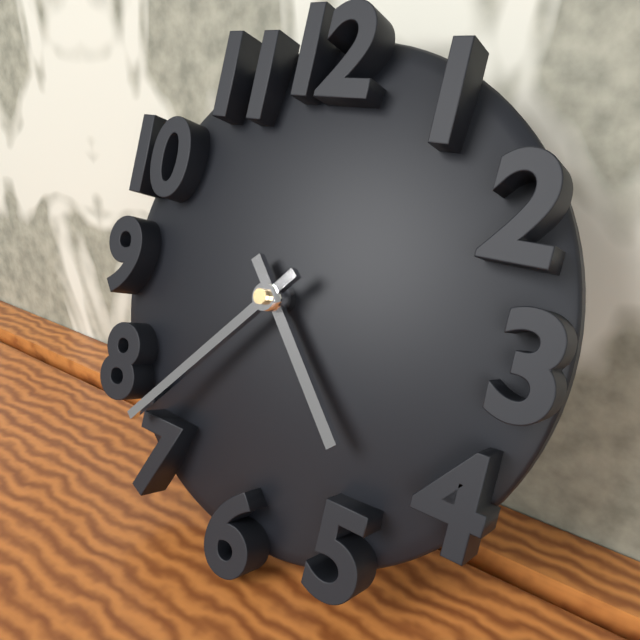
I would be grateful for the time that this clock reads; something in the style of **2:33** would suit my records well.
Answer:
**4:37**
